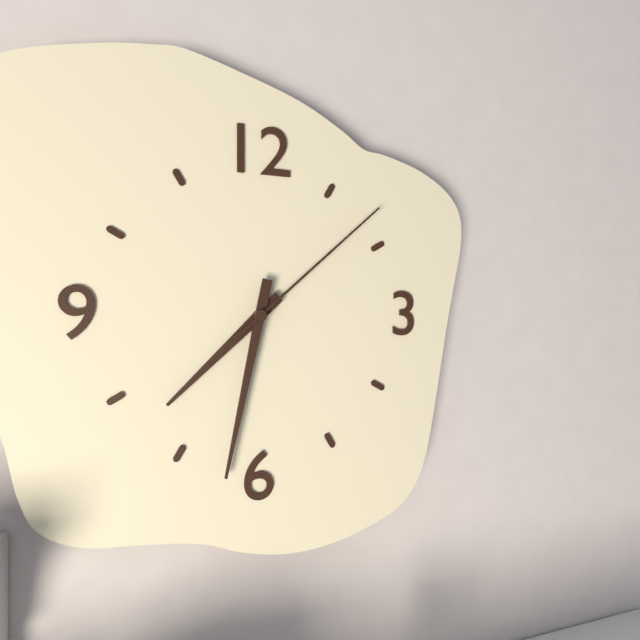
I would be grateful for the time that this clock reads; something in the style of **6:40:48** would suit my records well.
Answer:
**7:32:08**
